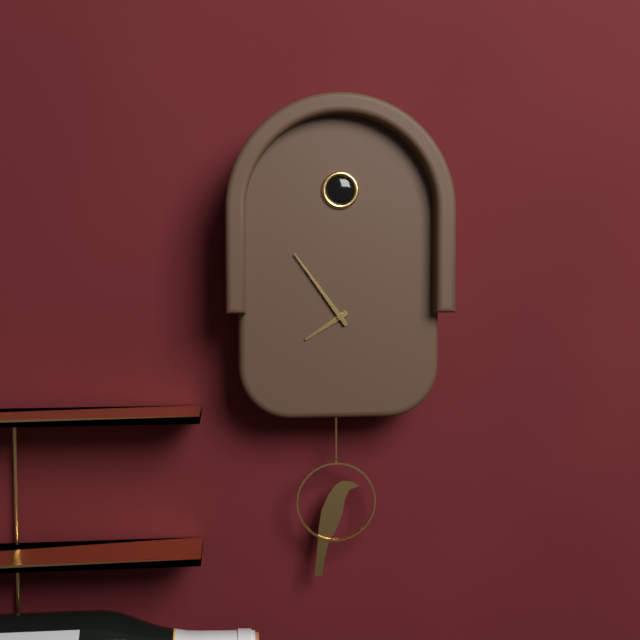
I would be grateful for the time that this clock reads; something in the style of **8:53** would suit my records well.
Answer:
**7:54**
